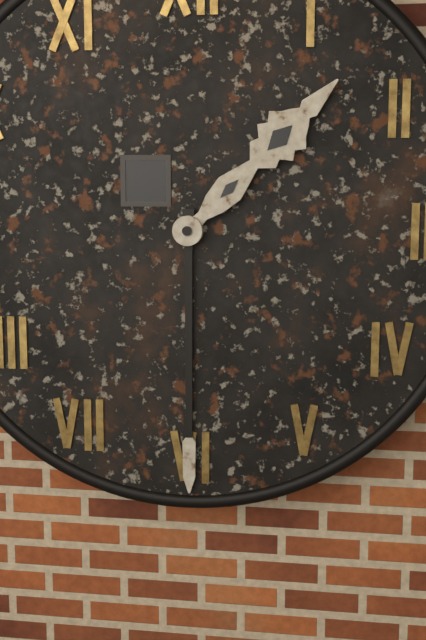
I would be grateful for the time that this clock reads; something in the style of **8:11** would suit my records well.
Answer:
**1:30**
